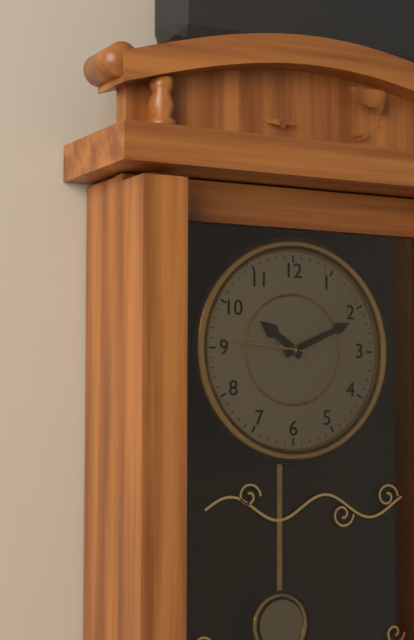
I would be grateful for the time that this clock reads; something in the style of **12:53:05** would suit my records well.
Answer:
**10:11:46**
